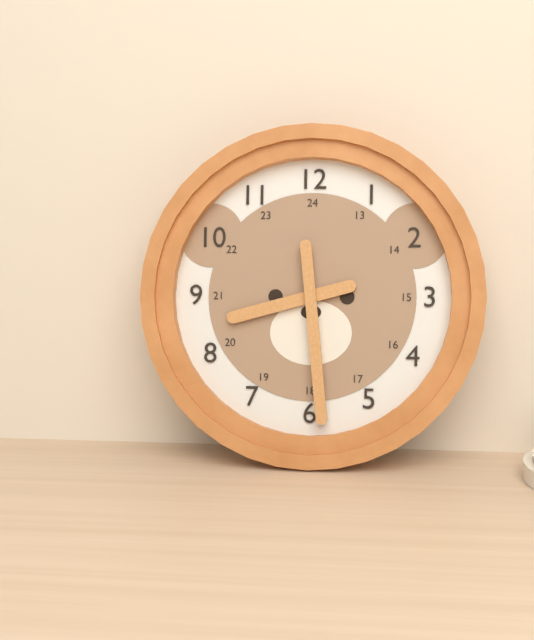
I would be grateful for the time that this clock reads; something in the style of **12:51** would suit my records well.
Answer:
**8:29**
